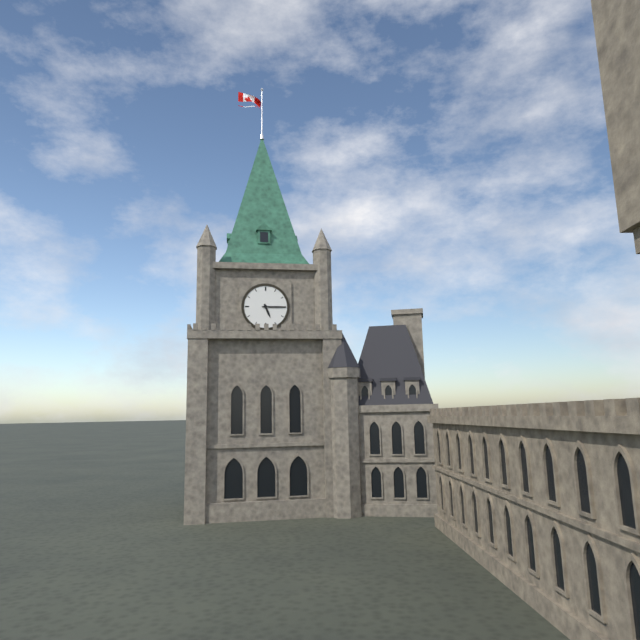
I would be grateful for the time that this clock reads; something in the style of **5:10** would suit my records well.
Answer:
**5:15**
